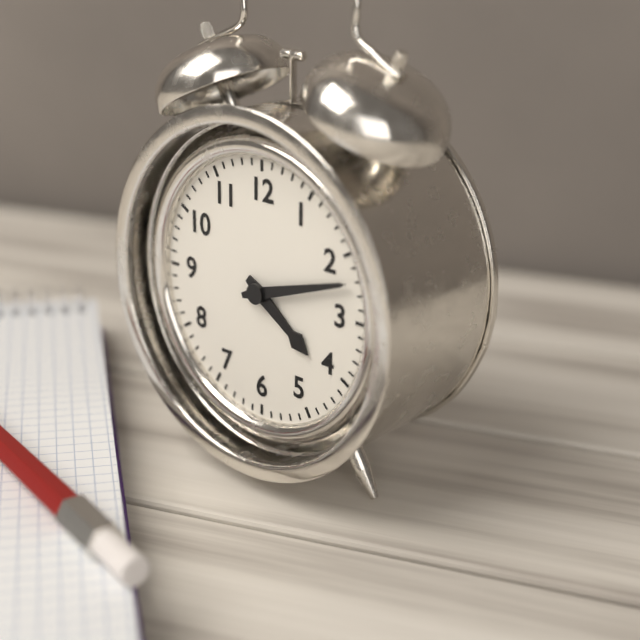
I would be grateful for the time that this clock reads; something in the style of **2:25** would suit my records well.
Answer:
**4:12**
